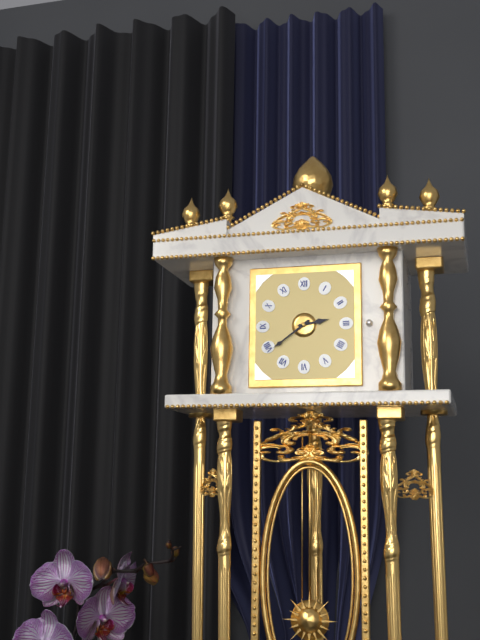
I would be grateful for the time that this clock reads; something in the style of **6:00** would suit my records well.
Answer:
**2:39**
